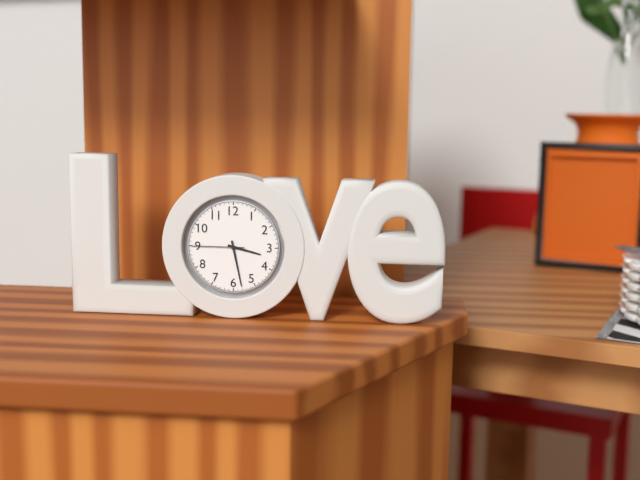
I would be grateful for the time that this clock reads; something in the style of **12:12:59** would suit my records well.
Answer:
**3:28:45**
